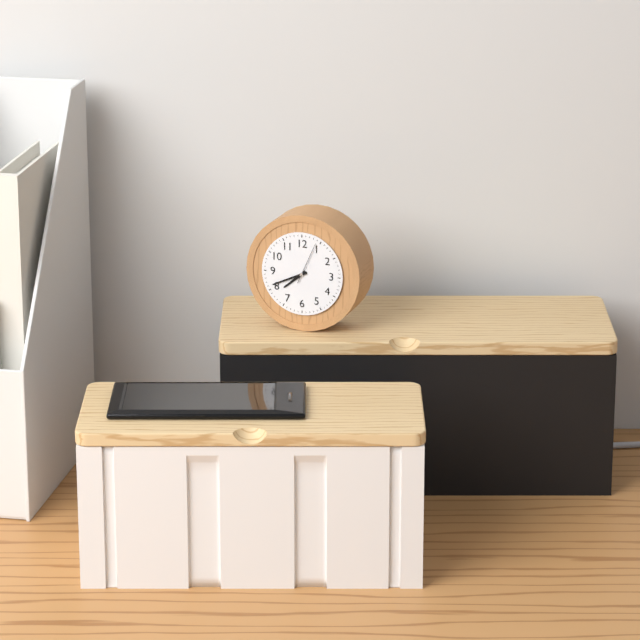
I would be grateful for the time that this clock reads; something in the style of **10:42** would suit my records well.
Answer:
**7:41**
